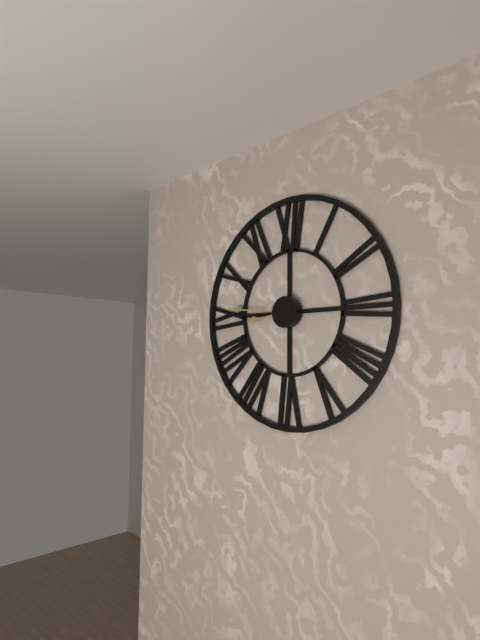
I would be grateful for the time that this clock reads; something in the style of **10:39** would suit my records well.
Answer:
**8:46**
